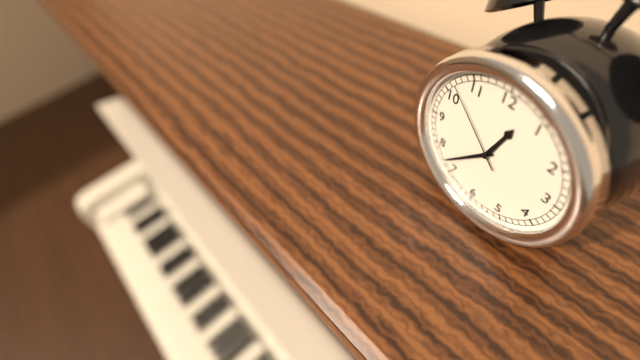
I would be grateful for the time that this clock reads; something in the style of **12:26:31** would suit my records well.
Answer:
**12:37:52**
